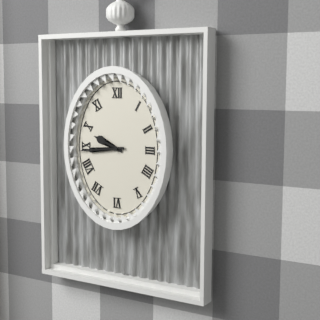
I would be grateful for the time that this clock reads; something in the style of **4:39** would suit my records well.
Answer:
**9:44**
